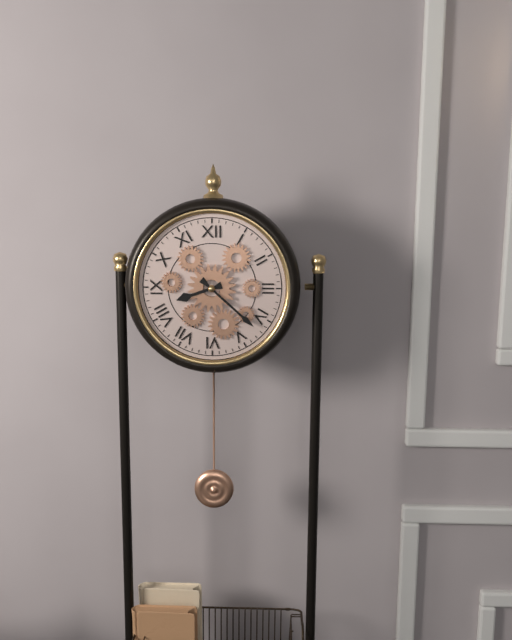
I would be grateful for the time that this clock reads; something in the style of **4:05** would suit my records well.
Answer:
**8:22**
